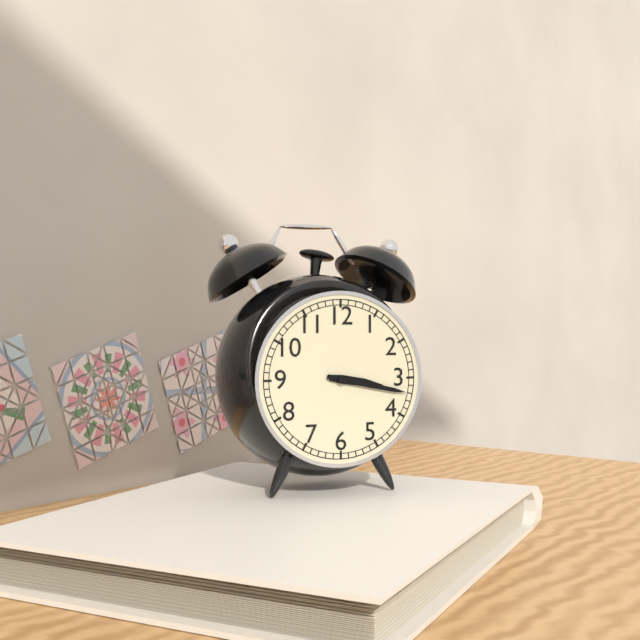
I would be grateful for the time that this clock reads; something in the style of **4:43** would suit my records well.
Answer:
**3:17**
